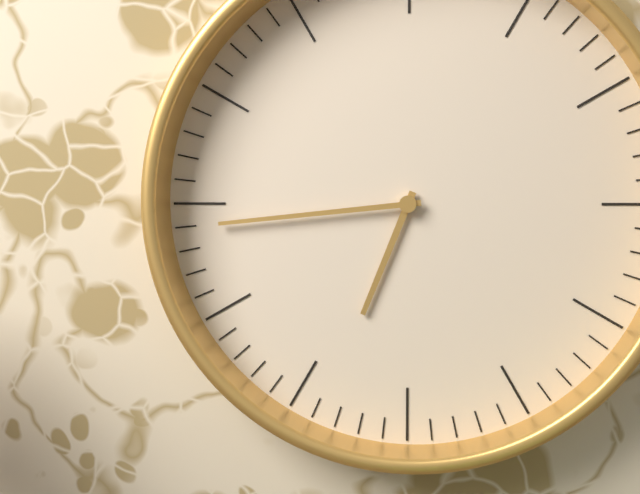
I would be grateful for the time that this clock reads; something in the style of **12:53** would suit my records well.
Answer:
**6:44**
